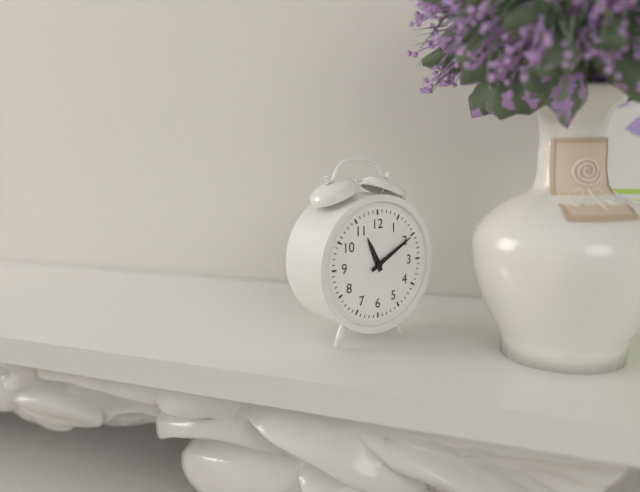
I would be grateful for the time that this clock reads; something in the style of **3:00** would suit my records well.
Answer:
**11:10**
